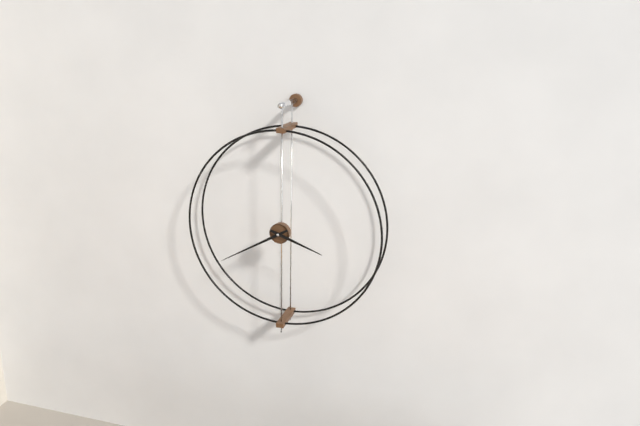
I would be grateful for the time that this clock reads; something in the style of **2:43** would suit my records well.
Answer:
**3:40**
